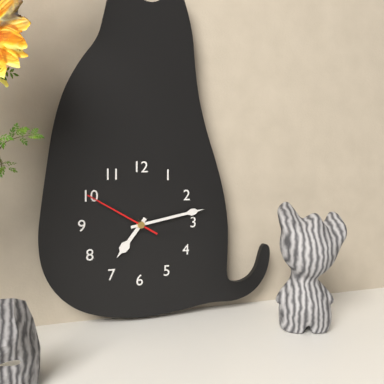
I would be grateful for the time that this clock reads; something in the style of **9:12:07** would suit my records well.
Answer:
**7:13:50**
